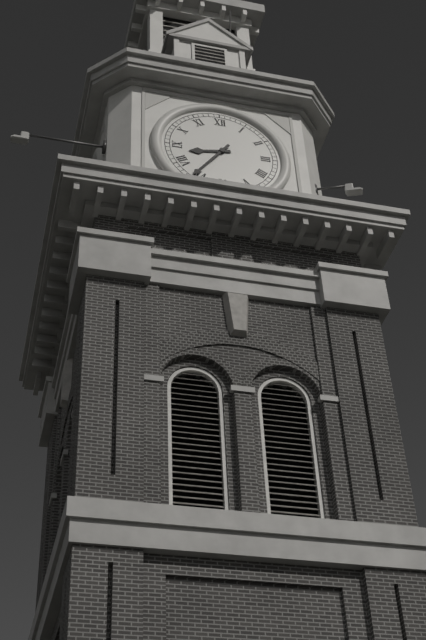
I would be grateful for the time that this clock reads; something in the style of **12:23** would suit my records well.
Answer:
**8:36**
